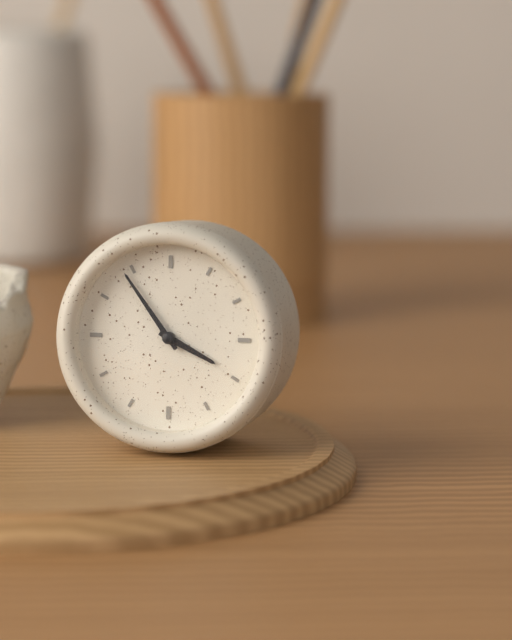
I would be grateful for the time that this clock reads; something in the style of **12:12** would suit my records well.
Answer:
**3:54**
